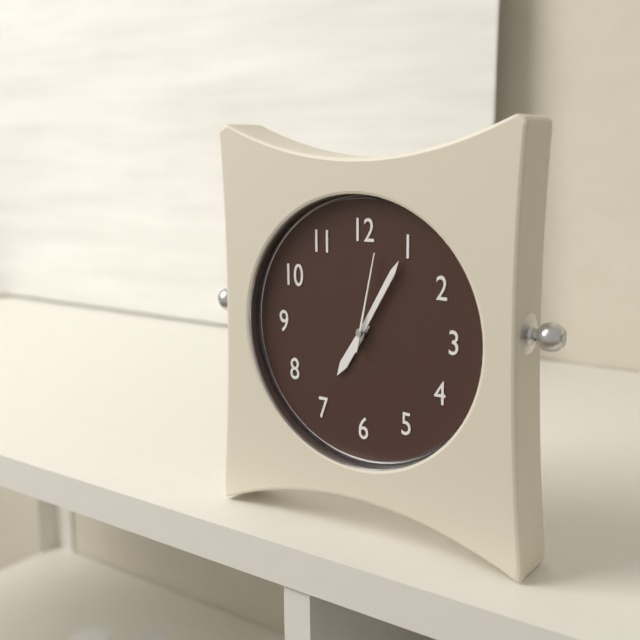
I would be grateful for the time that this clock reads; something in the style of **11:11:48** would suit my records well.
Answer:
**7:05:02**
